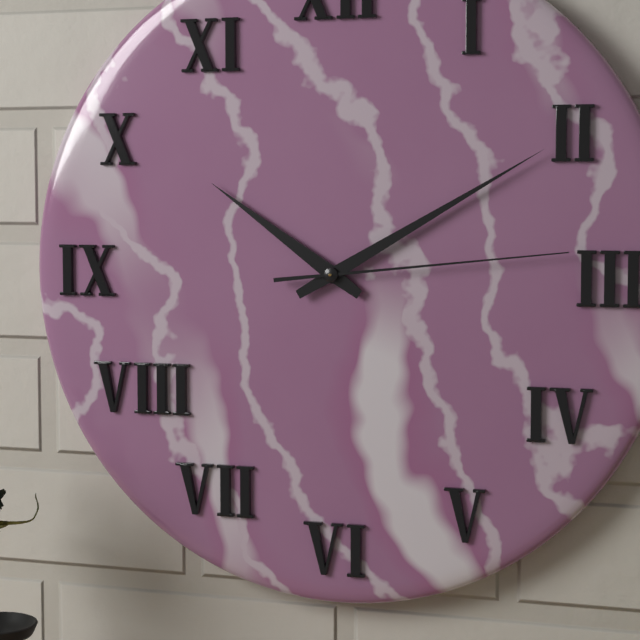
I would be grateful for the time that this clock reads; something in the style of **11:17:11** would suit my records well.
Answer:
**10:10:14**
